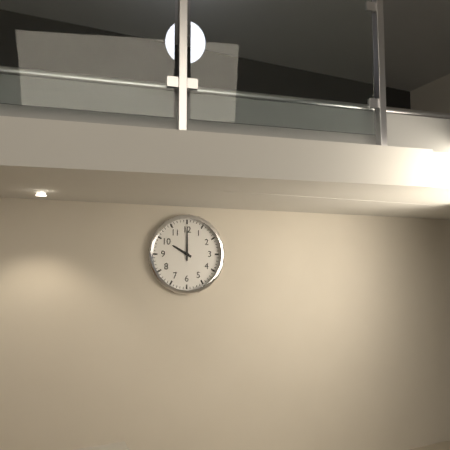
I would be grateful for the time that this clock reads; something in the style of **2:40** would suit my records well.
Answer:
**10:00**
